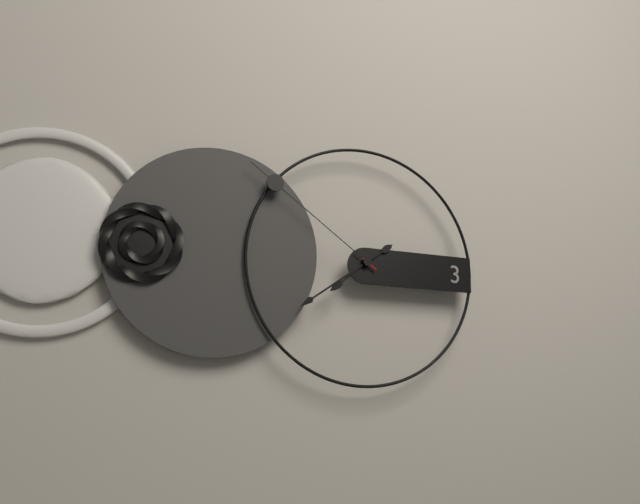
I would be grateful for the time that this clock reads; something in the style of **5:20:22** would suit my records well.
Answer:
**7:39:51**
